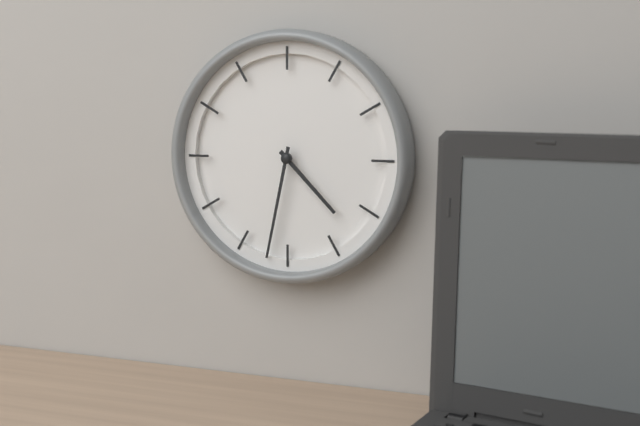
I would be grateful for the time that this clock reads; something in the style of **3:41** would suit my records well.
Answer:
**4:32**
